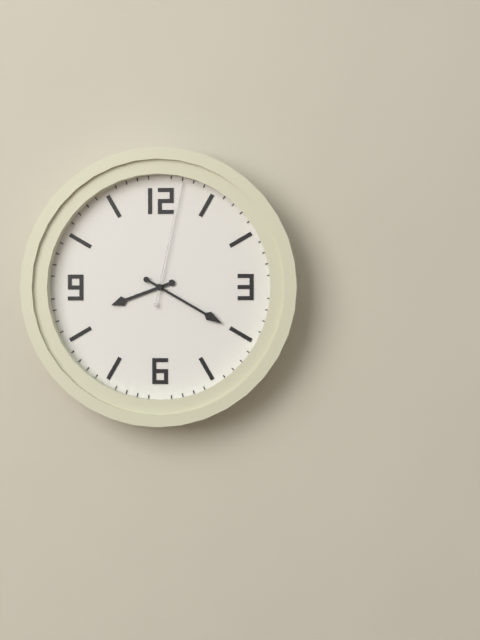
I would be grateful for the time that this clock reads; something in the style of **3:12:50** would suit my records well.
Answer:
**8:20:02**
